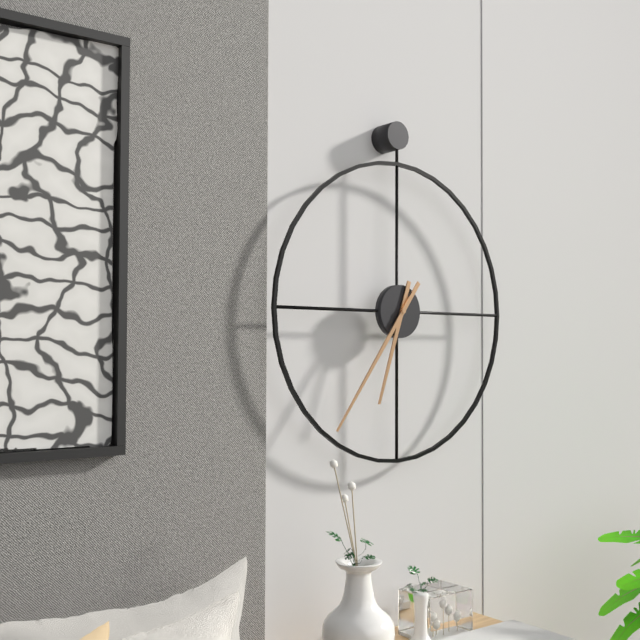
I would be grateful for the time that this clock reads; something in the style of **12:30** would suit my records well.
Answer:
**6:36**
